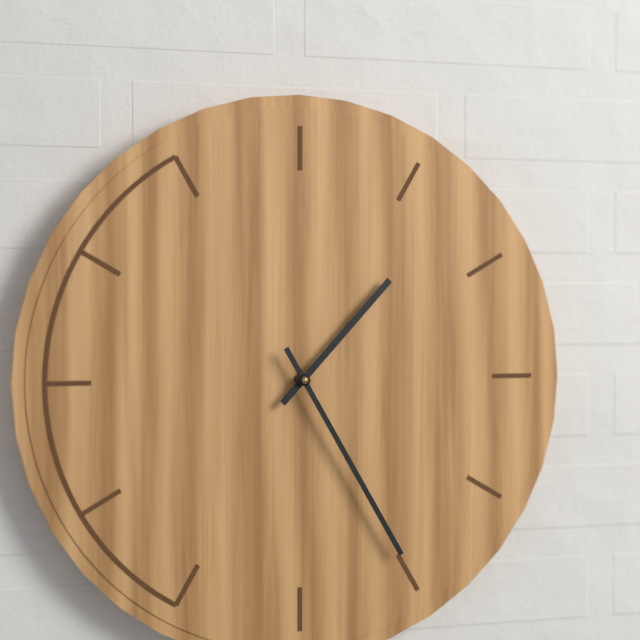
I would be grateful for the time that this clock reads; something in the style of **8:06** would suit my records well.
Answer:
**1:25**
